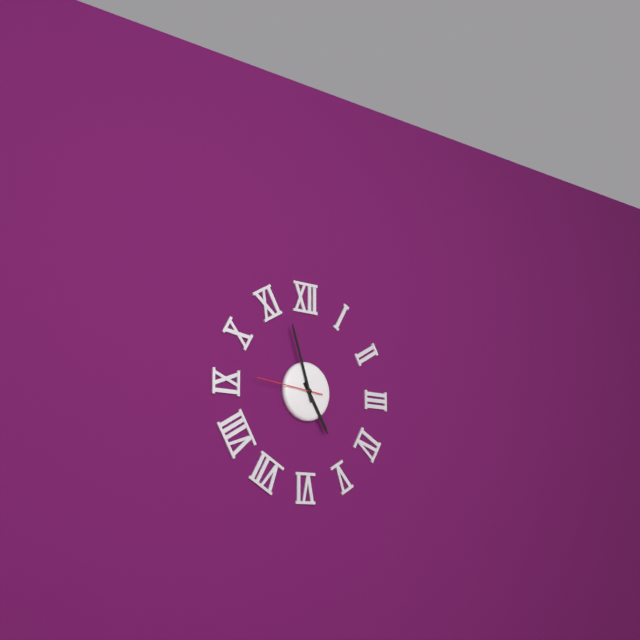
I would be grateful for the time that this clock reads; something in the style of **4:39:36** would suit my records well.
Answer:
**4:57:46**
